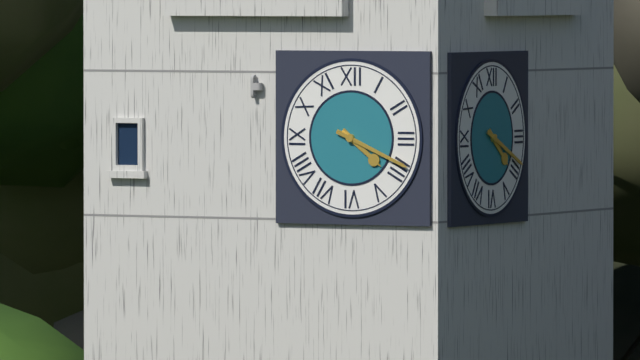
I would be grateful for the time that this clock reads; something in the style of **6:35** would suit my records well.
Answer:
**4:19**
